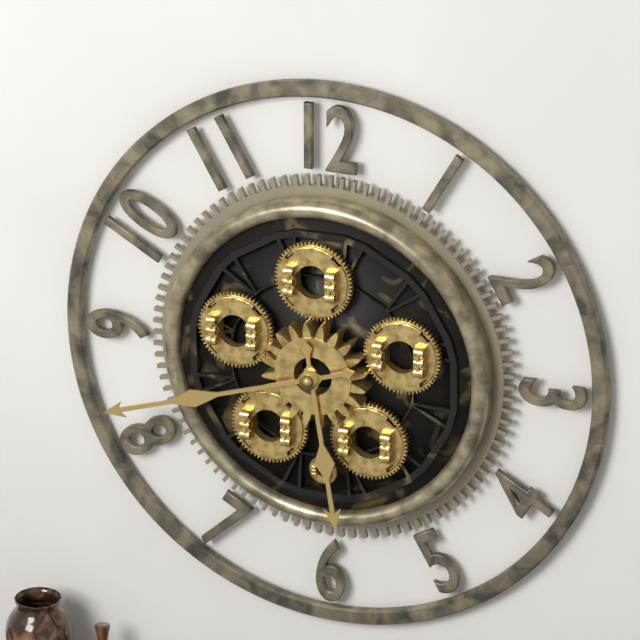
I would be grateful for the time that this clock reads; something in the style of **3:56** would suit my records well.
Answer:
**5:42**
